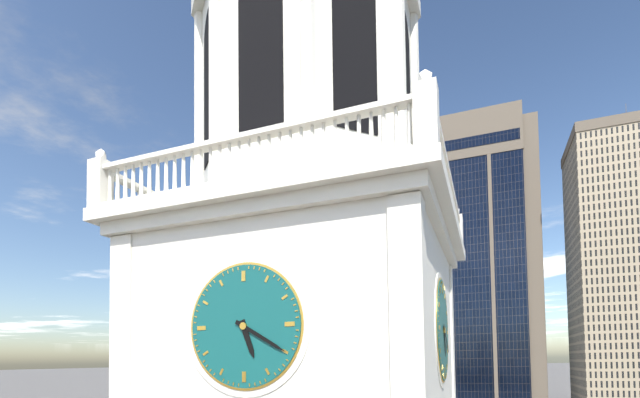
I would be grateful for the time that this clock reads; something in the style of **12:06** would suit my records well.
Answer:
**5:20**
